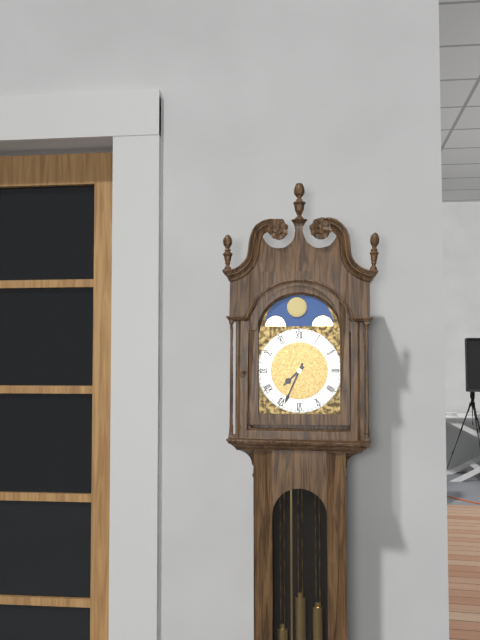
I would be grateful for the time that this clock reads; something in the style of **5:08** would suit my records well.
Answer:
**7:34**
